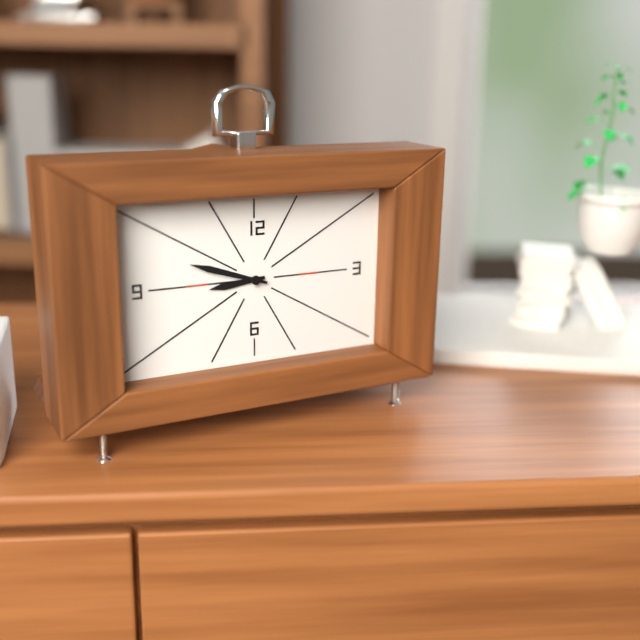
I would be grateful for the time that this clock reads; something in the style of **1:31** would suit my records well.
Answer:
**8:48**
